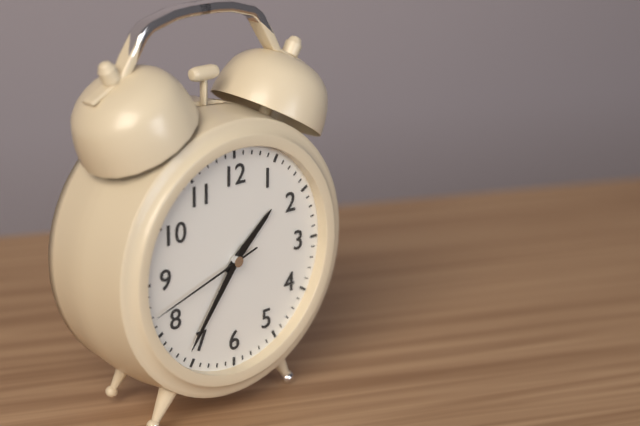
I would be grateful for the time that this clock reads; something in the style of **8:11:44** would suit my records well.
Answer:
**1:36:42**
